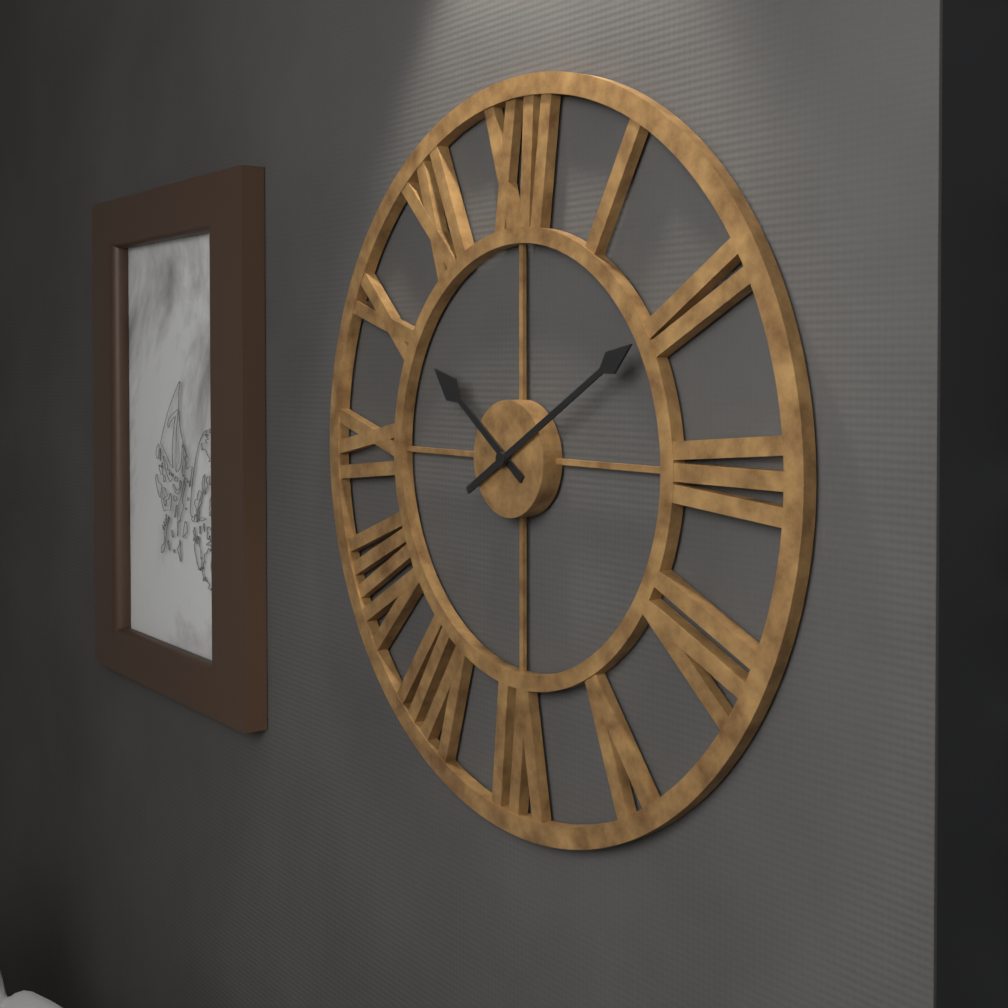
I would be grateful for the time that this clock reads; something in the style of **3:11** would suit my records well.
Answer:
**10:10**
